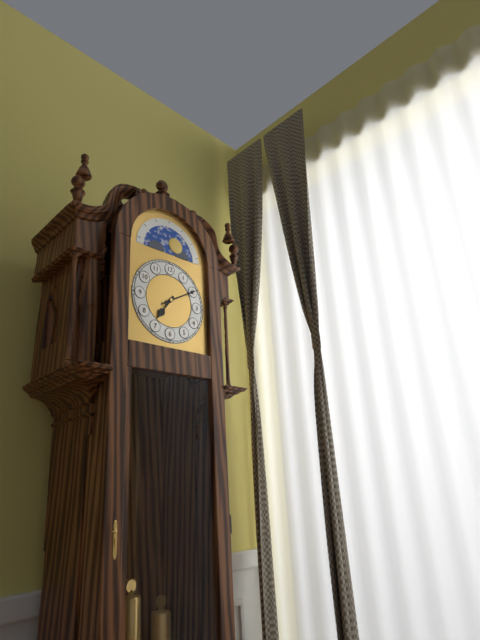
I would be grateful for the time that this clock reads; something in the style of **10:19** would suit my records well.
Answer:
**7:10**
